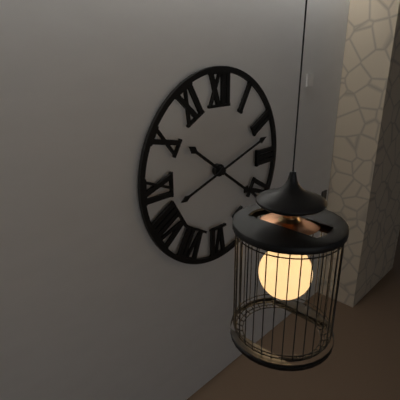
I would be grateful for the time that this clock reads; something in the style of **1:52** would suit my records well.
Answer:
**4:12**
